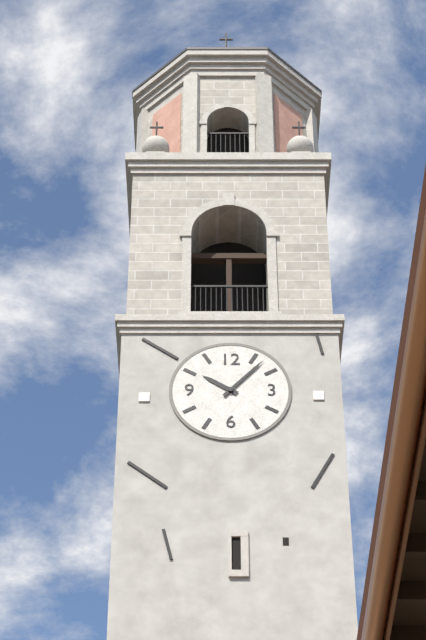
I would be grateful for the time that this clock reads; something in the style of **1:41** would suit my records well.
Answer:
**10:07**
